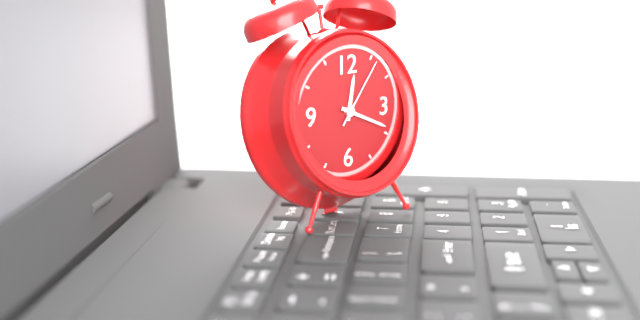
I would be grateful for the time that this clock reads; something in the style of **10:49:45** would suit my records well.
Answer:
**12:19:06**
